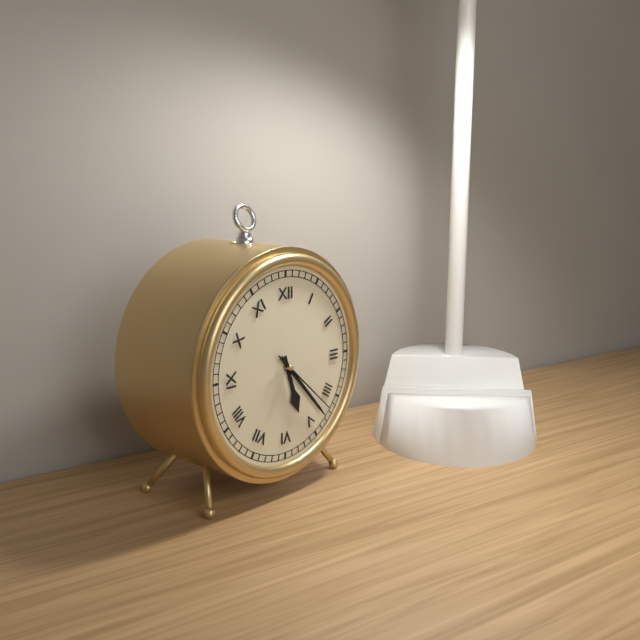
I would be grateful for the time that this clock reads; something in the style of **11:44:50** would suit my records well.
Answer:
**5:23:22**
